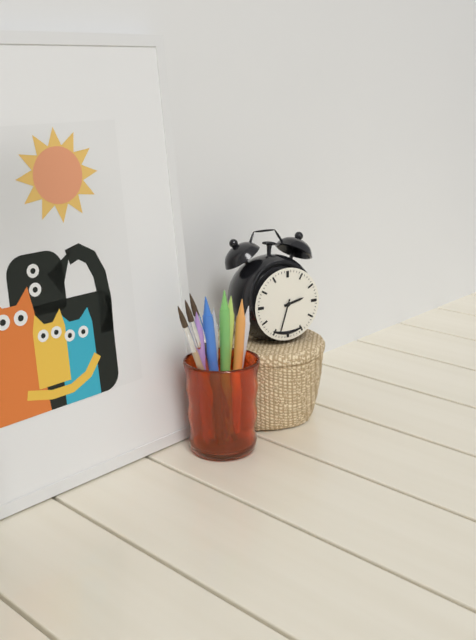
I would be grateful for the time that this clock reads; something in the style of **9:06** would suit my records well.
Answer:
**2:33**
